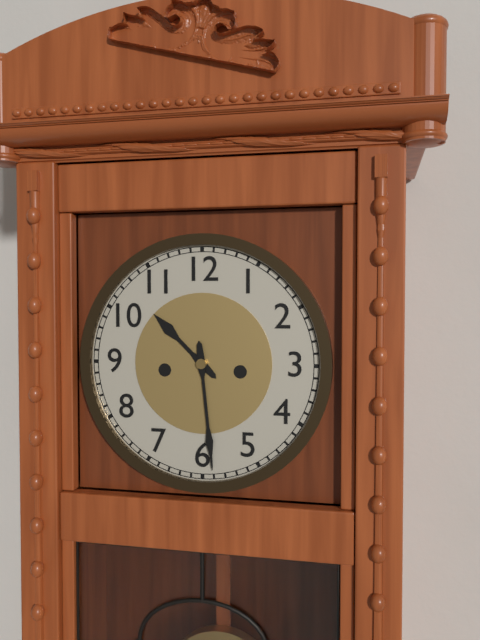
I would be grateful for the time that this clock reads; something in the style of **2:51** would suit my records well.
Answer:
**10:29**
